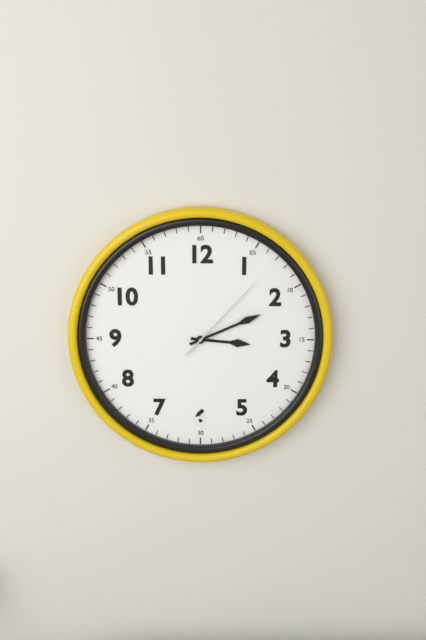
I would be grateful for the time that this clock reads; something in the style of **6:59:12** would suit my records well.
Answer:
**3:11:07**
